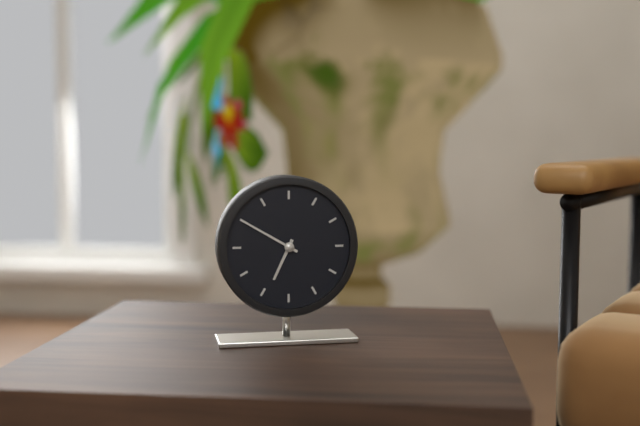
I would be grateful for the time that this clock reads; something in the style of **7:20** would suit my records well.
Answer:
**6:50**
